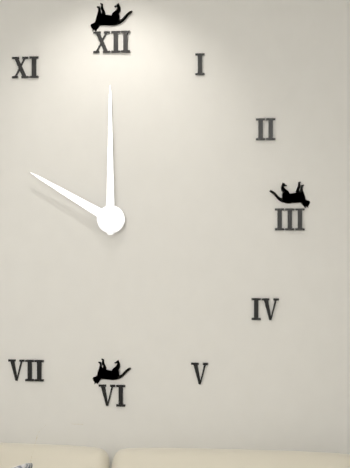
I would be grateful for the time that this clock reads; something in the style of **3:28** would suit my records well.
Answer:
**10:00**
